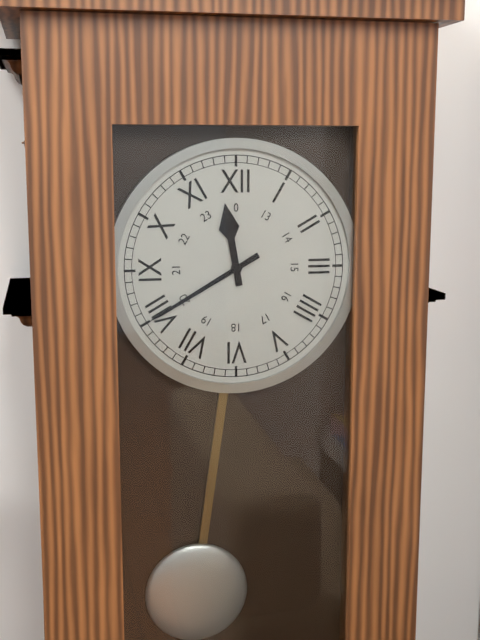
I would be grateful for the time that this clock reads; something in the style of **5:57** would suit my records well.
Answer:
**11:40**
